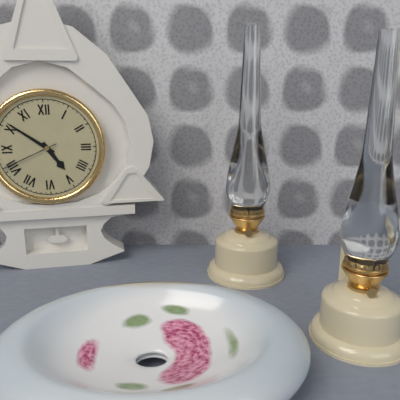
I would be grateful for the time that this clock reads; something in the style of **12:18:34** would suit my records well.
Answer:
**4:51:41**
